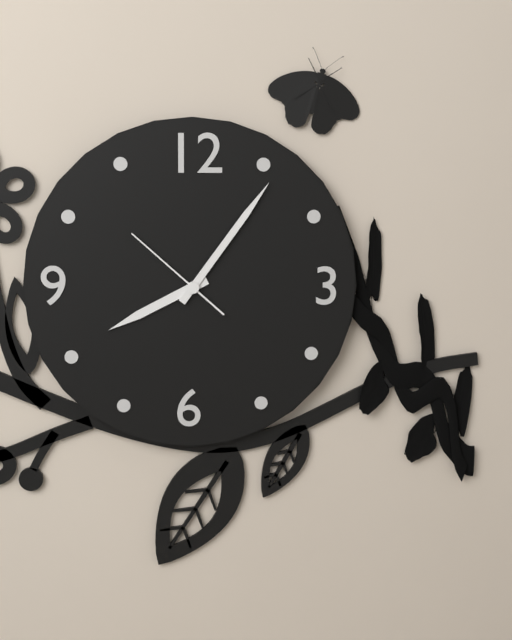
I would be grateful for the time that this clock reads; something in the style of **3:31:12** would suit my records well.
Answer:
**8:06:52**
